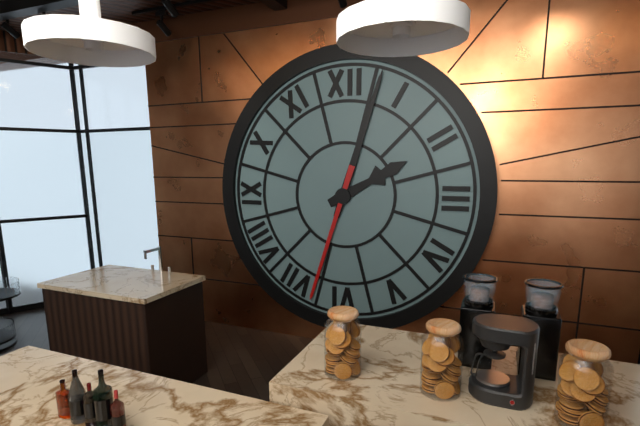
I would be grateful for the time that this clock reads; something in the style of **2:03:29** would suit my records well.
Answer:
**2:03:33**
